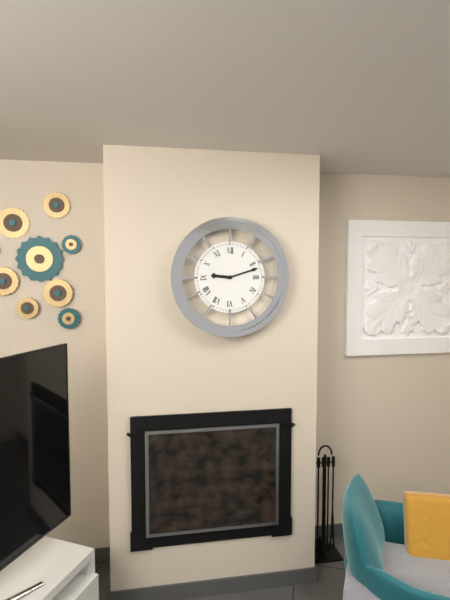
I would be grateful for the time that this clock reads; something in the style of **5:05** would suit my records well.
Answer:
**9:12**
